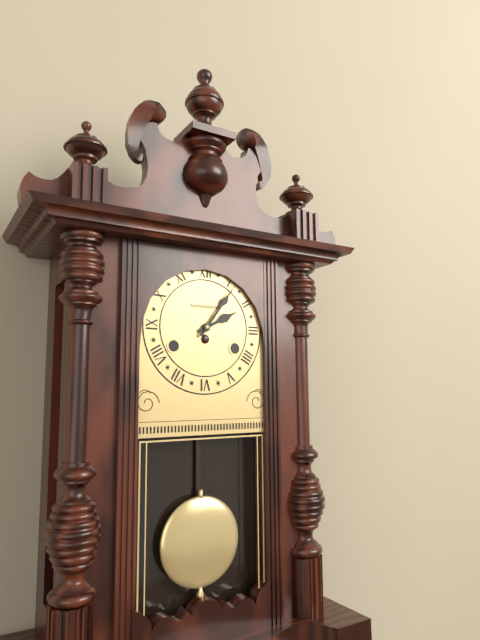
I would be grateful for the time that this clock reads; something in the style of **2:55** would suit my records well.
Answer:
**2:06**
